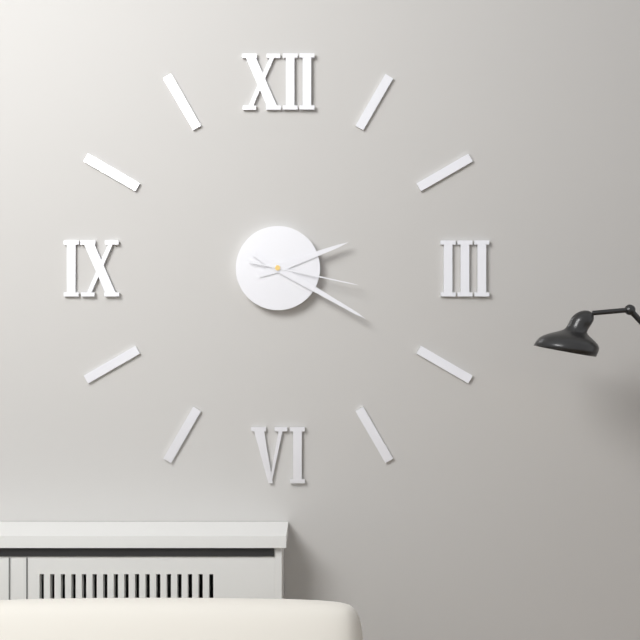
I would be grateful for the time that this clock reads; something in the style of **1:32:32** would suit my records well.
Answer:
**2:20:17**
